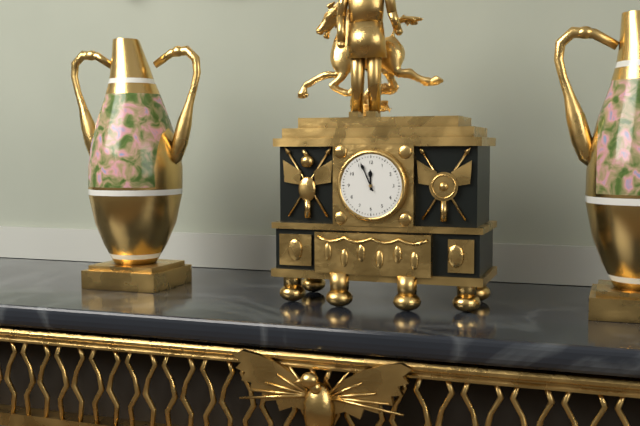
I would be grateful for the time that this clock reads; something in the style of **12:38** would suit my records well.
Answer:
**11:56**
